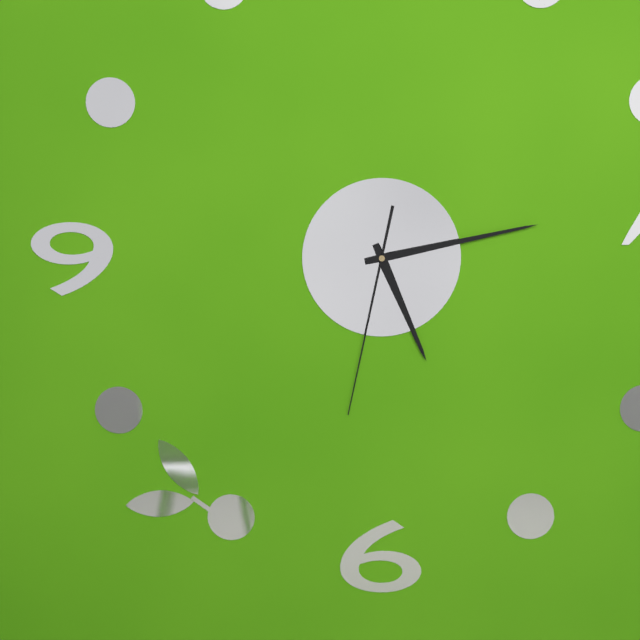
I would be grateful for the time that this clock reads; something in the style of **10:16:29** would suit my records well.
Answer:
**5:13:32**
